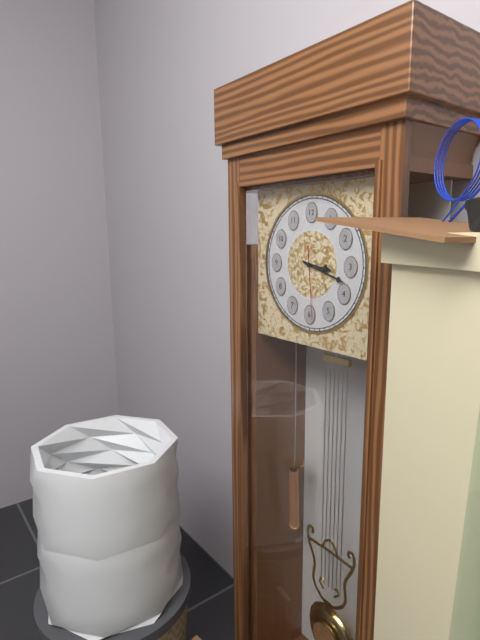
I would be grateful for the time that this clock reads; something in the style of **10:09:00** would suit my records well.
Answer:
**3:18:29**
